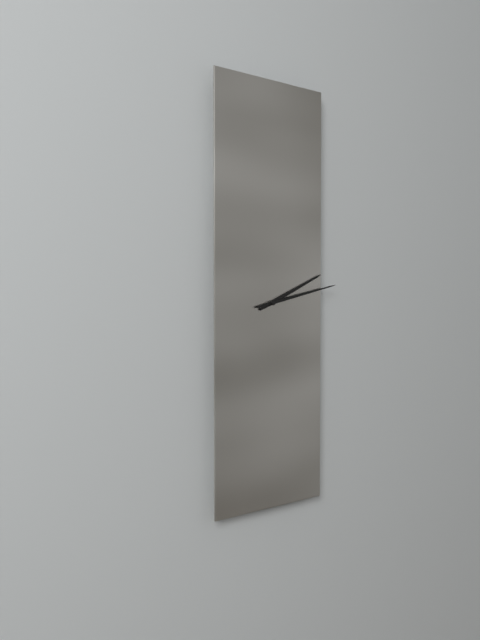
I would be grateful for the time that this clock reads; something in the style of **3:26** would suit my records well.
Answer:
**2:13**
